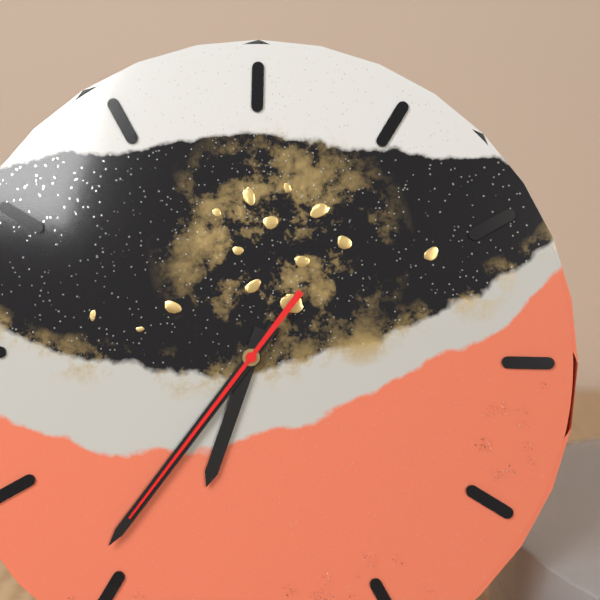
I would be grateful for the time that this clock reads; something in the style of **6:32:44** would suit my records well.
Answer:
**6:36:36**
